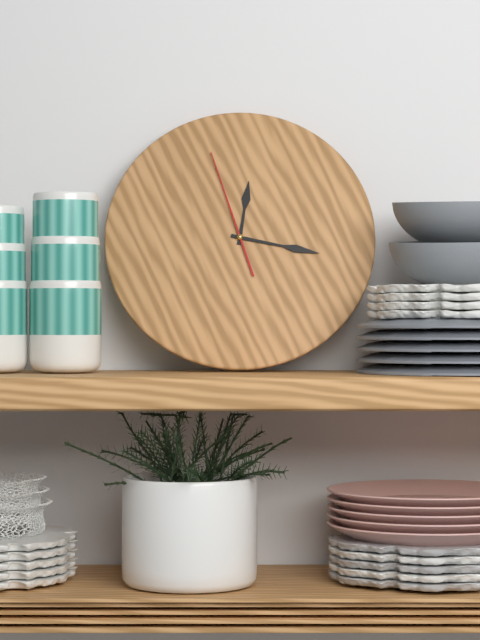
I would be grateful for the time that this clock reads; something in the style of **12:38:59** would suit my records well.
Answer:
**12:17:57**
